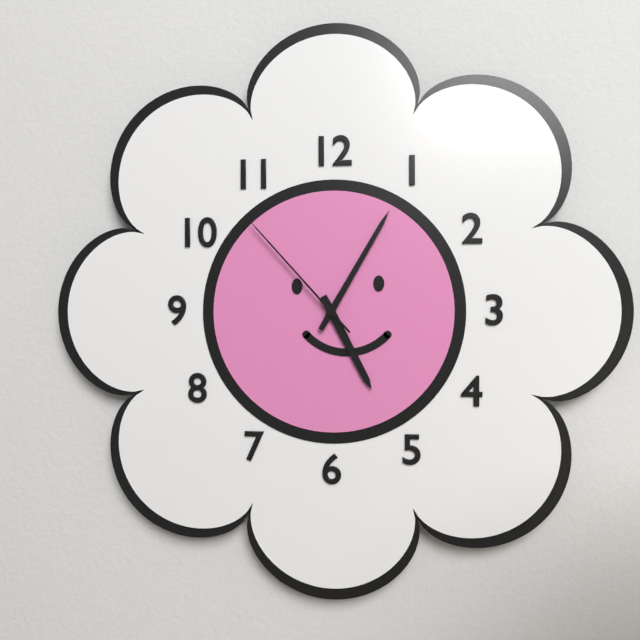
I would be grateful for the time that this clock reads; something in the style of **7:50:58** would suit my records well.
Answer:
**5:05:53**
